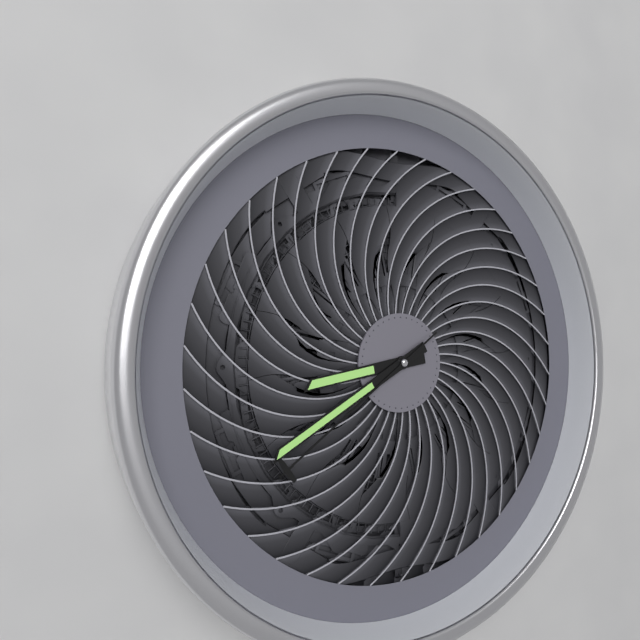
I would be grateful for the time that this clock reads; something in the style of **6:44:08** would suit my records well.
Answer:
**8:40:39**
